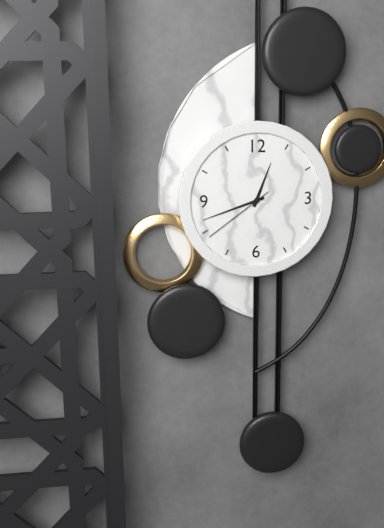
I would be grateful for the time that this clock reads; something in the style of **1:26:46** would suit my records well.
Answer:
**12:42:39**
